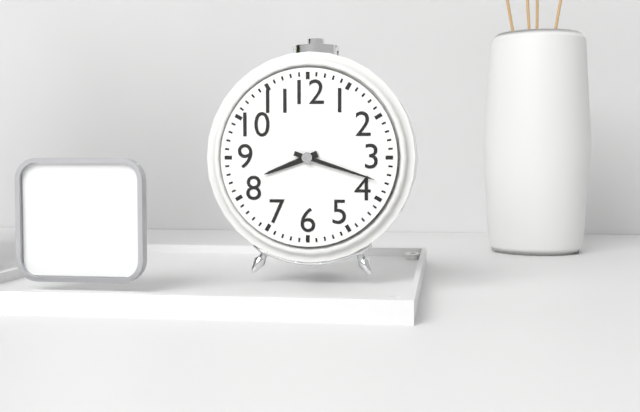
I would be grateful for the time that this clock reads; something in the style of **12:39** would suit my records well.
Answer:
**8:18**
